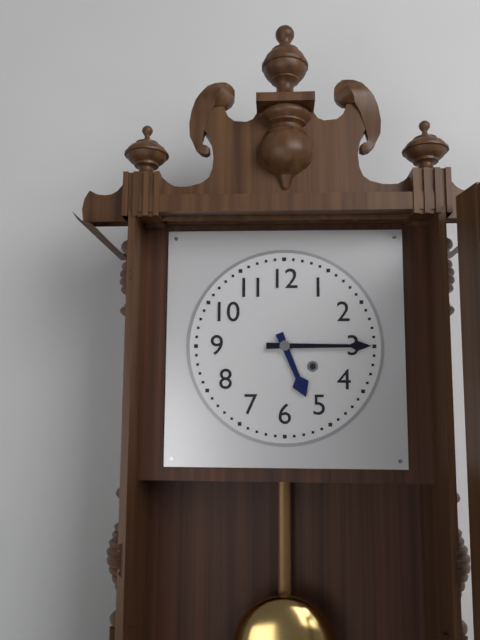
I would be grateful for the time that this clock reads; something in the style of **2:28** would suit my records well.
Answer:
**5:15**
